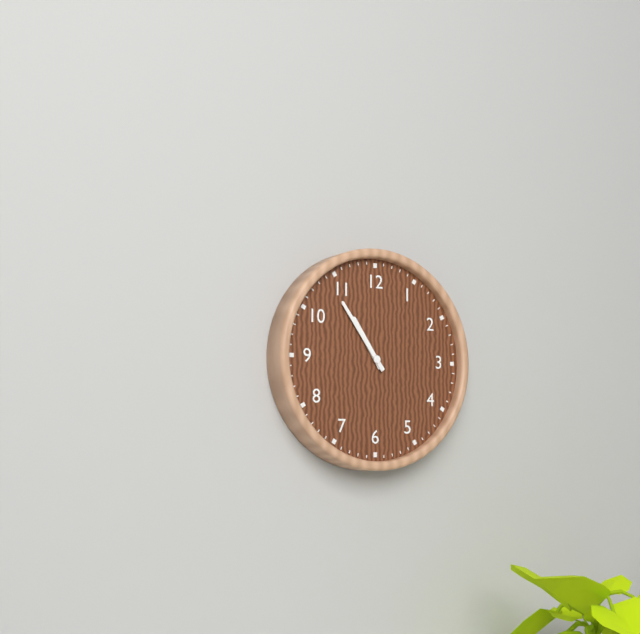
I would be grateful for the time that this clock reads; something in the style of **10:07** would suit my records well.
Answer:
**10:54**
